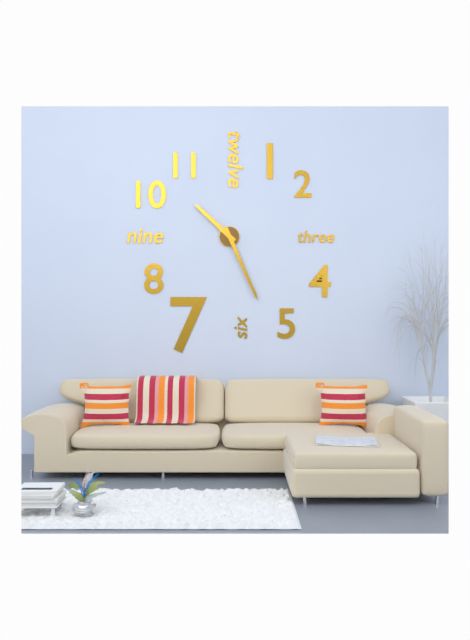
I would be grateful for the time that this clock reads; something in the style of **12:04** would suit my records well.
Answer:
**10:26**
